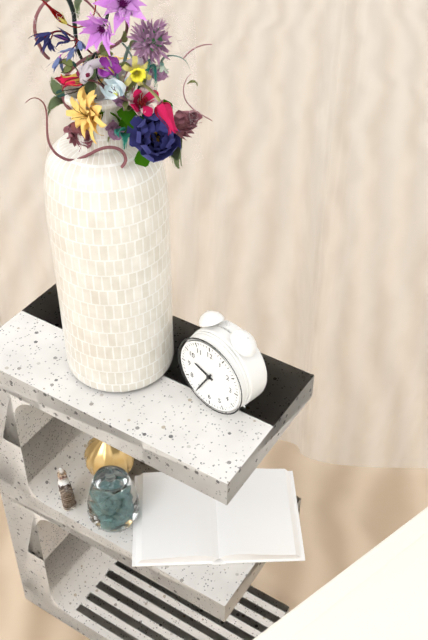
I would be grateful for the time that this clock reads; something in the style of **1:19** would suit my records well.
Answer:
**9:35**
